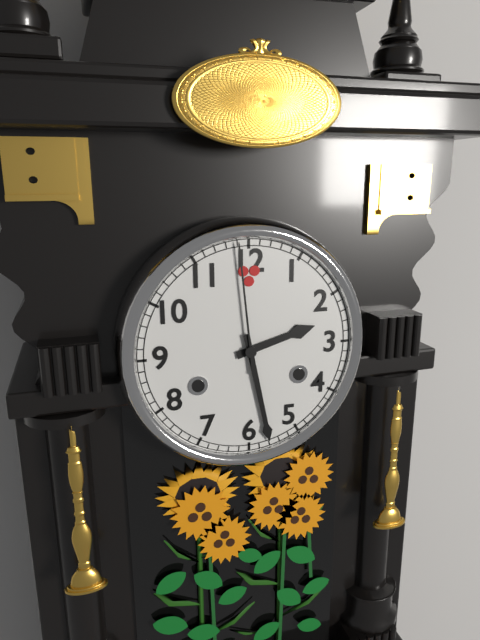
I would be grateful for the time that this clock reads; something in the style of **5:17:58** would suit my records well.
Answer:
**2:28:59**
